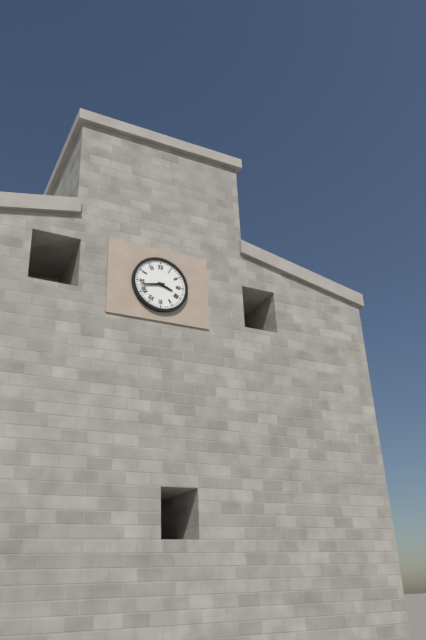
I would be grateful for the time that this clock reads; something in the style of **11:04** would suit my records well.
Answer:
**3:43**
